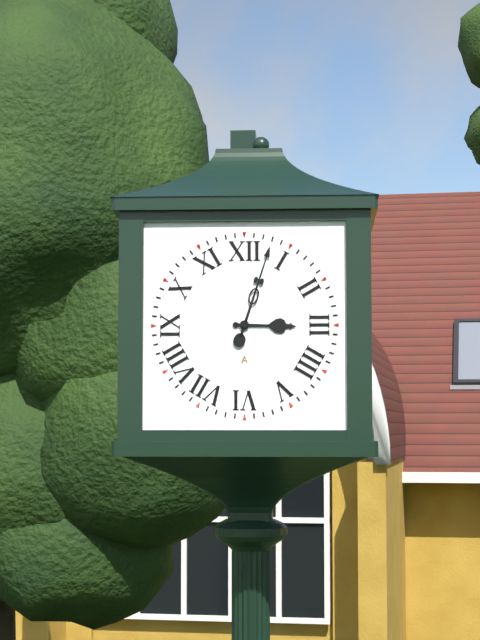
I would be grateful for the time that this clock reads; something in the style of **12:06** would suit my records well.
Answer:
**3:03**
